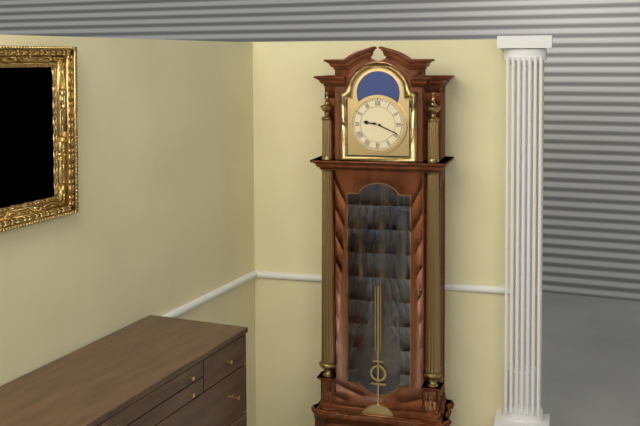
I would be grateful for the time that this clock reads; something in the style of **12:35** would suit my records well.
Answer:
**9:19**
